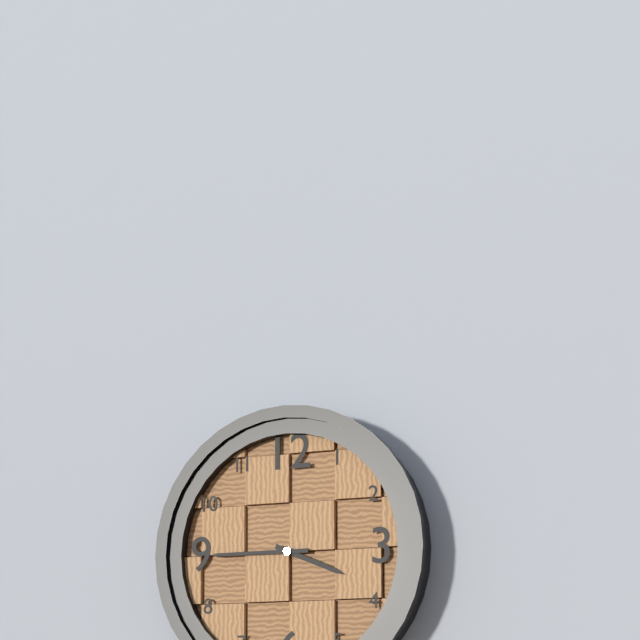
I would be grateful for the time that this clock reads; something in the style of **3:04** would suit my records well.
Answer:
**3:45**
